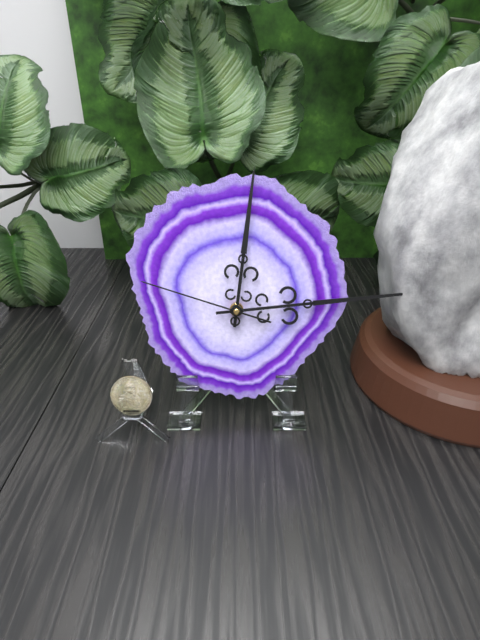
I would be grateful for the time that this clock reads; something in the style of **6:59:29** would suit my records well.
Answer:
**12:14:48**
